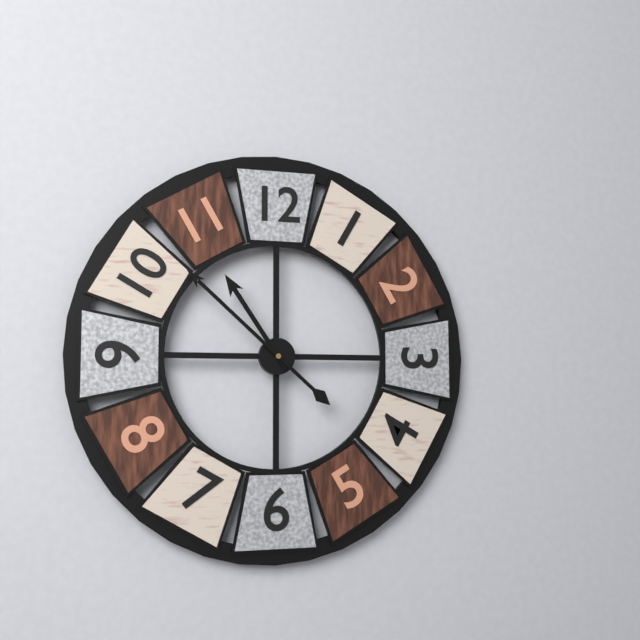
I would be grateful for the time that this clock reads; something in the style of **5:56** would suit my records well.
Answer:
**10:52**
